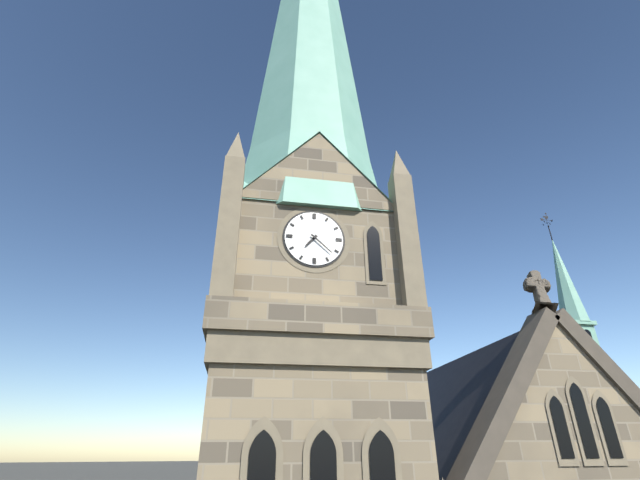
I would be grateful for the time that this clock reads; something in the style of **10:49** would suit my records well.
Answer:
**7:22**
